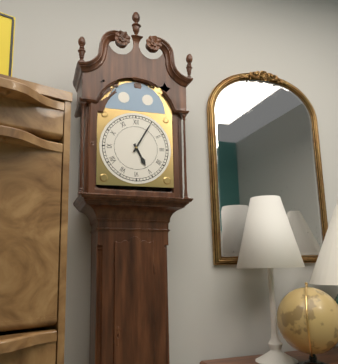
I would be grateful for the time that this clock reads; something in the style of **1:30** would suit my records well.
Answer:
**5:05**
